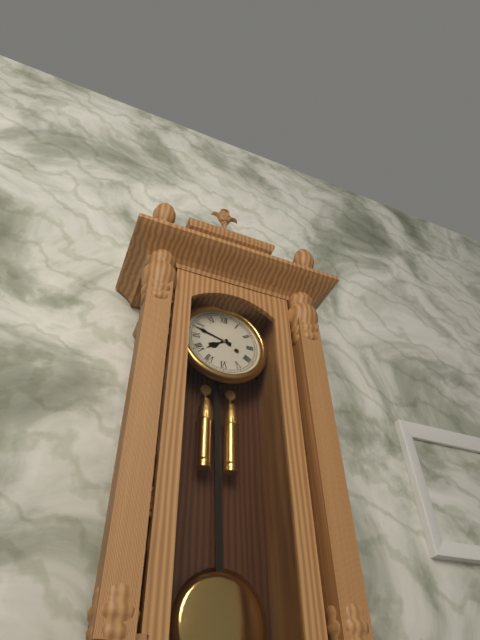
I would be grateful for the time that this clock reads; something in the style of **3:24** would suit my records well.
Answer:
**7:48**
